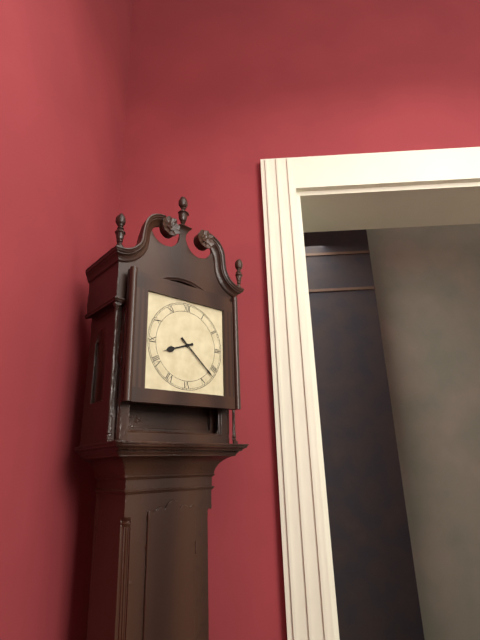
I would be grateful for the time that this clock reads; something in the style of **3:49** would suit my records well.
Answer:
**8:22**
